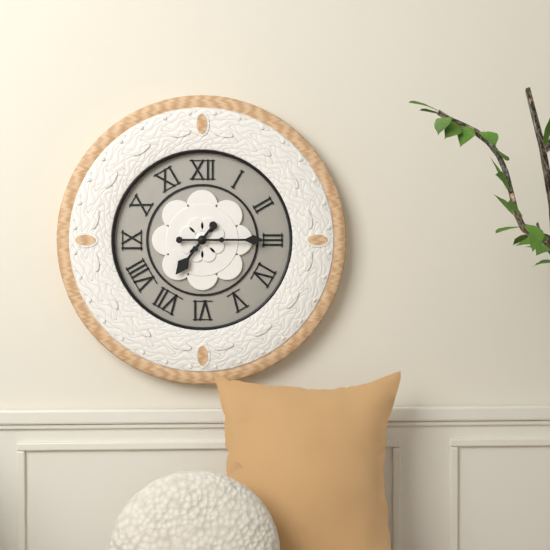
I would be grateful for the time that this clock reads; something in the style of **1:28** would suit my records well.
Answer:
**7:15**
